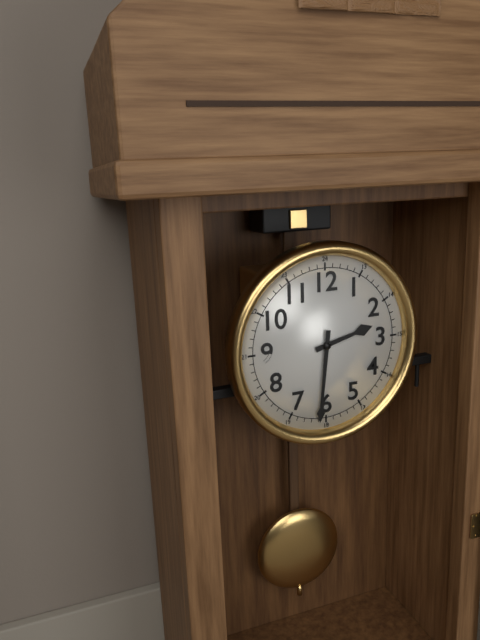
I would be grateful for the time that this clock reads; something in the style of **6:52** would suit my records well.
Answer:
**2:31**
